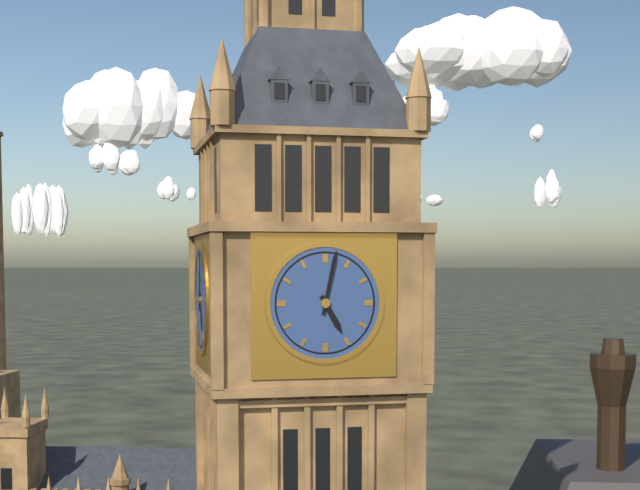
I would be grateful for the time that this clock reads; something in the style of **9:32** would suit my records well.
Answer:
**5:02**
